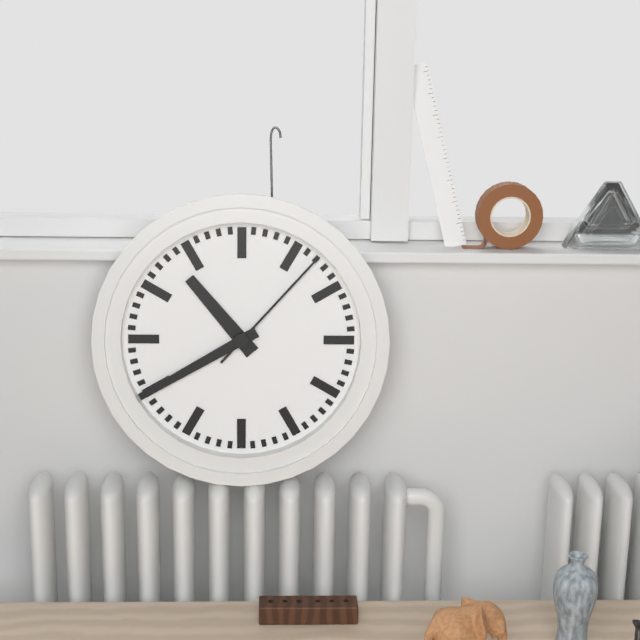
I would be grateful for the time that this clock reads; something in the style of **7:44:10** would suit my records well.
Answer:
**10:40:07**
